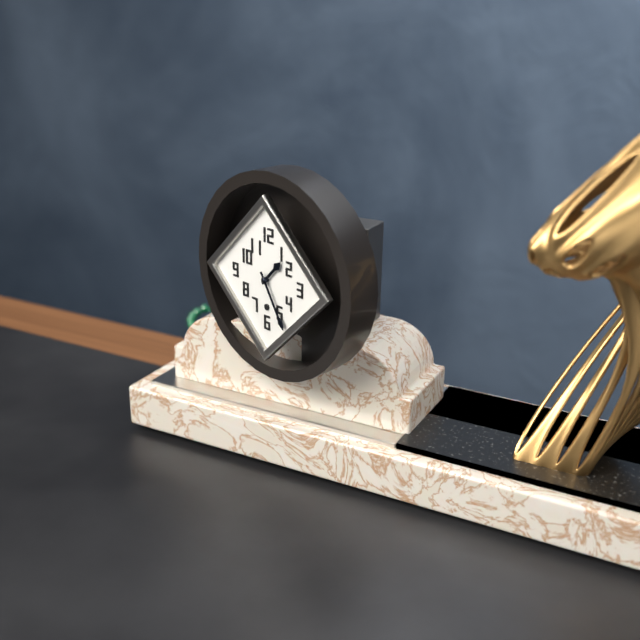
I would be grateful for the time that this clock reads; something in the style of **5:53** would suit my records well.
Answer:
**1:25**
